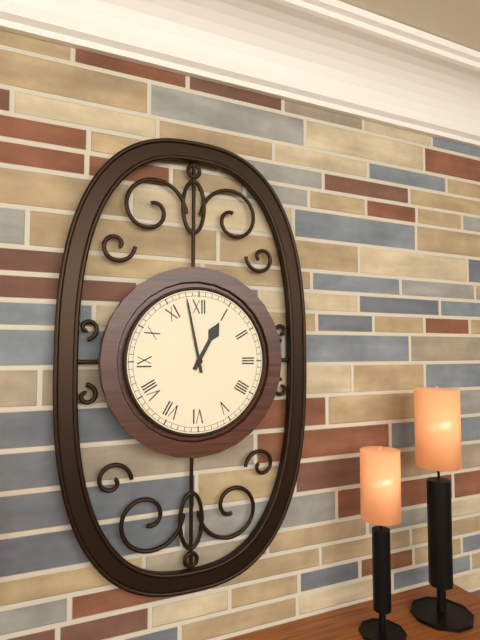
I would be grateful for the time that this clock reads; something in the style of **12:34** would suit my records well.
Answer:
**12:58**
